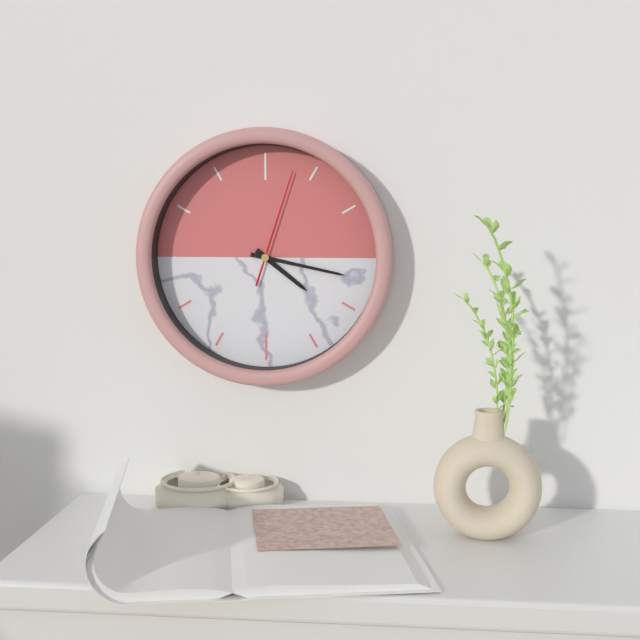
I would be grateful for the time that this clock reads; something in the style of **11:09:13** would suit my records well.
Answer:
**4:17:03**
